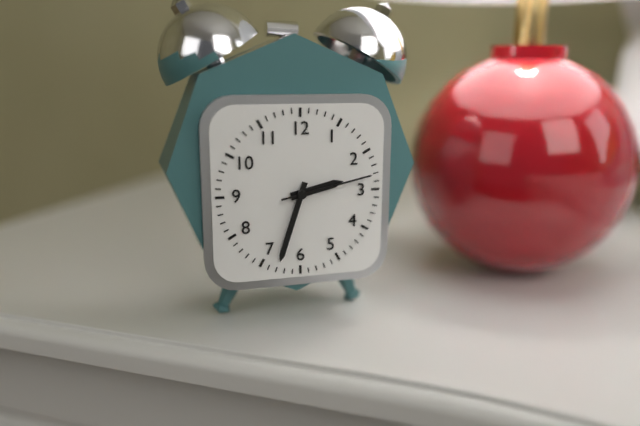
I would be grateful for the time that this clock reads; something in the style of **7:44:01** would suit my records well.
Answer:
**2:33:13**
